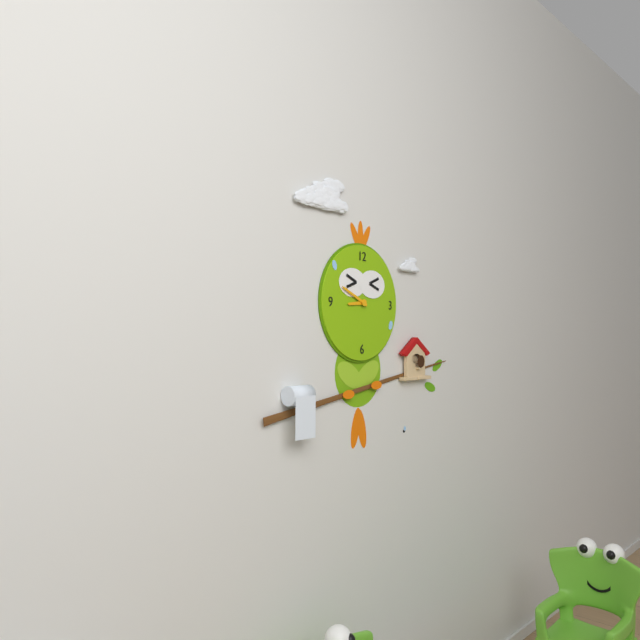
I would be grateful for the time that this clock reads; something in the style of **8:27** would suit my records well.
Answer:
**8:49**
